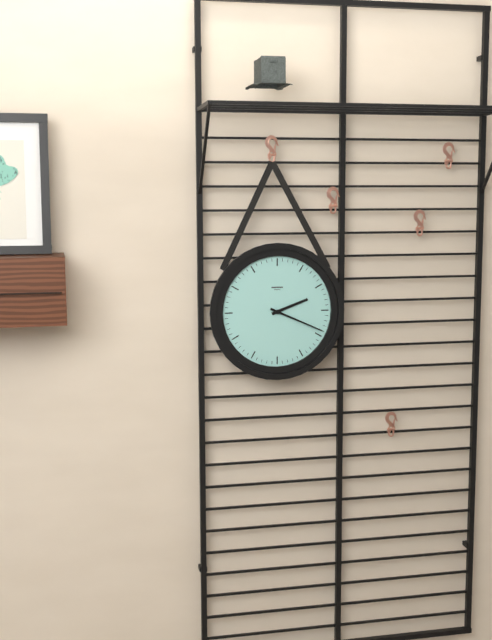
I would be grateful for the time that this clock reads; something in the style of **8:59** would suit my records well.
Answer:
**2:19**
